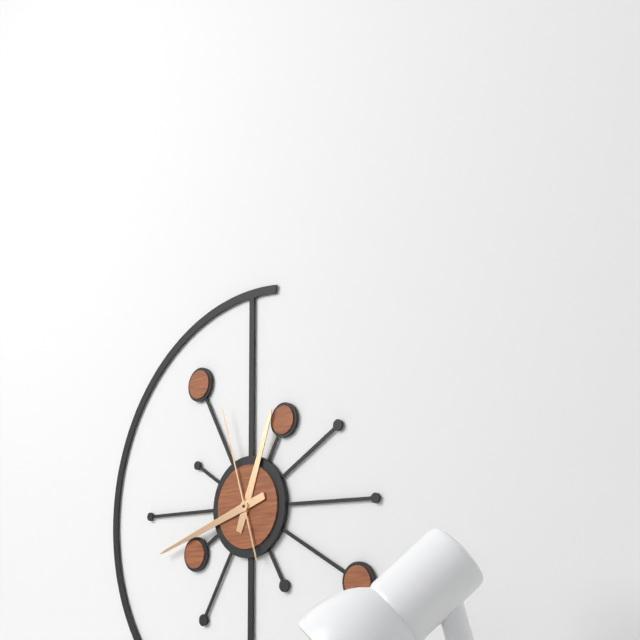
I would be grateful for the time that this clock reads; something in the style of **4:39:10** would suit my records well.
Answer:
**12:42:57**
